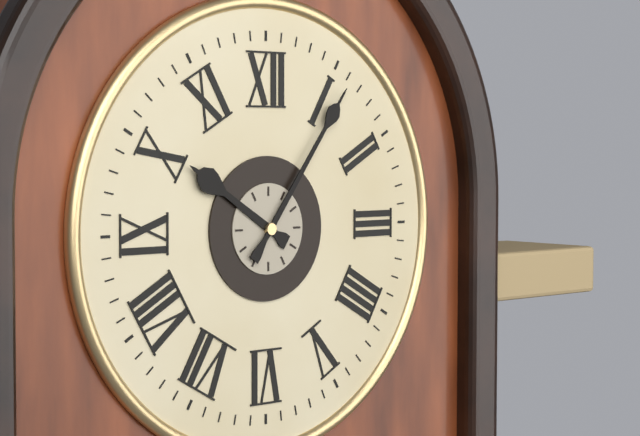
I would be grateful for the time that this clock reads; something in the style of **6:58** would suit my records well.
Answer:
**10:06**
